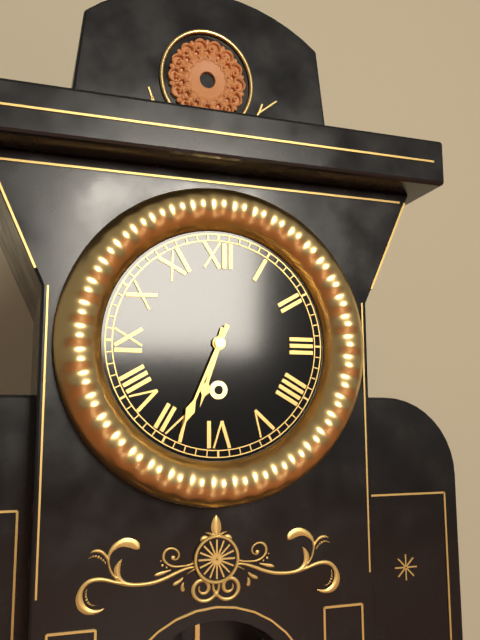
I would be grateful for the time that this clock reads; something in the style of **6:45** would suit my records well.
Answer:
**6:34**
